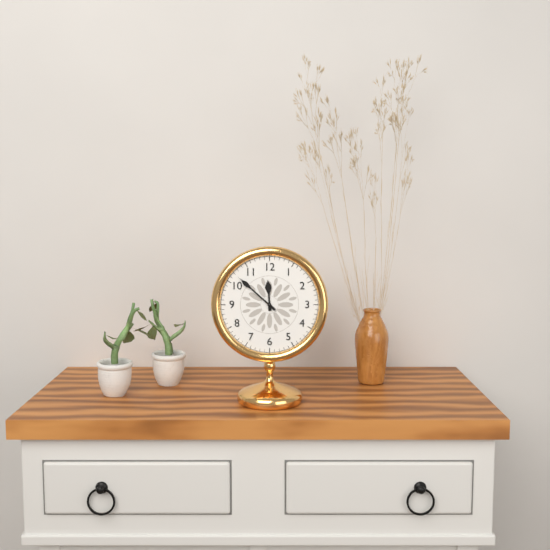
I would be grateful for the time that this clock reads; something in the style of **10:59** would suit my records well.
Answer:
**11:52**
